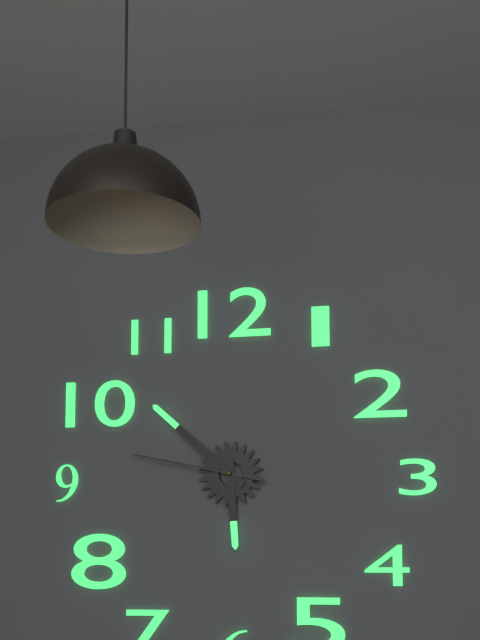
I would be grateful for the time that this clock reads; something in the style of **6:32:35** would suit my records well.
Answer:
**5:52:47**
